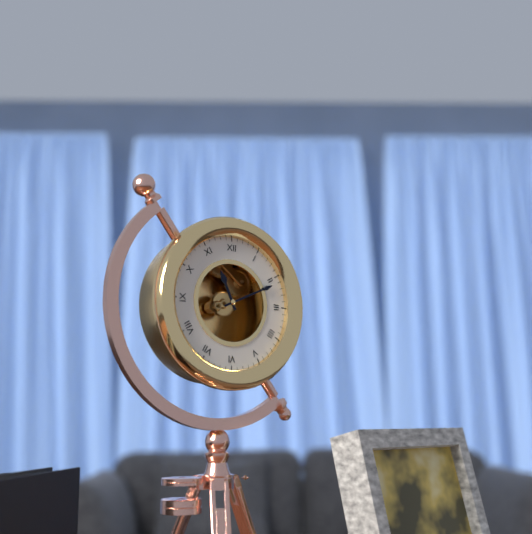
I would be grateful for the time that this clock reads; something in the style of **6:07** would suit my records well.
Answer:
**11:11**
